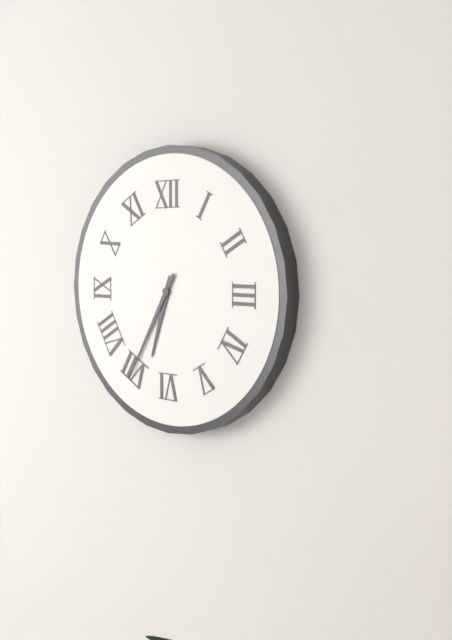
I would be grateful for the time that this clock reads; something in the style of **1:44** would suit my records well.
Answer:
**6:35**
